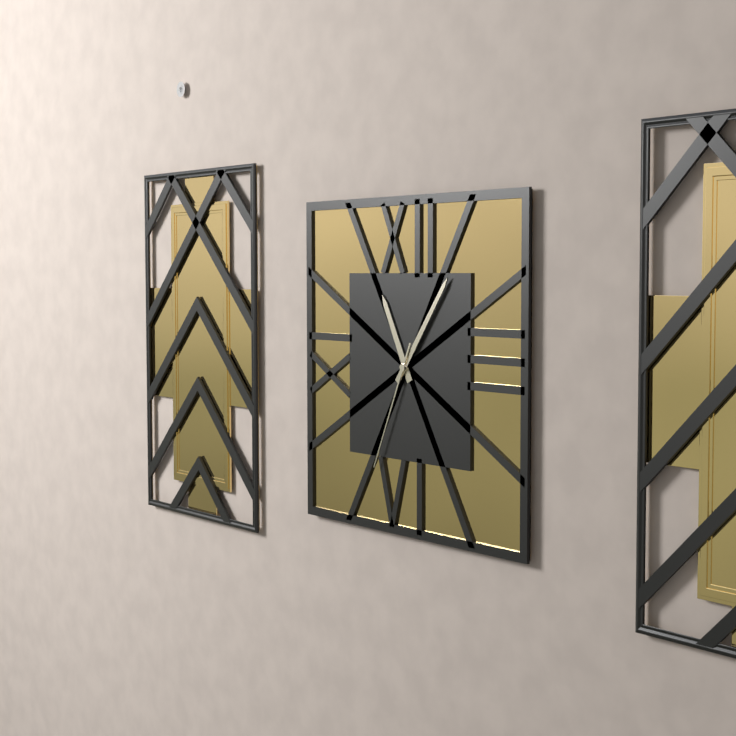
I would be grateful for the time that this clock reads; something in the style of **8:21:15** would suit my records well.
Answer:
**11:06:34**
